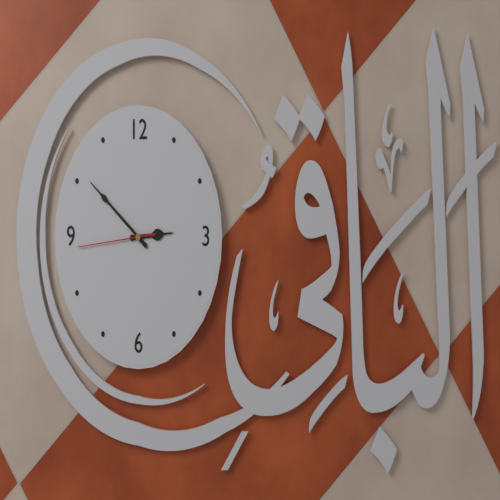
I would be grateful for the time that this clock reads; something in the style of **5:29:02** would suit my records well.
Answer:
**2:51:44**
